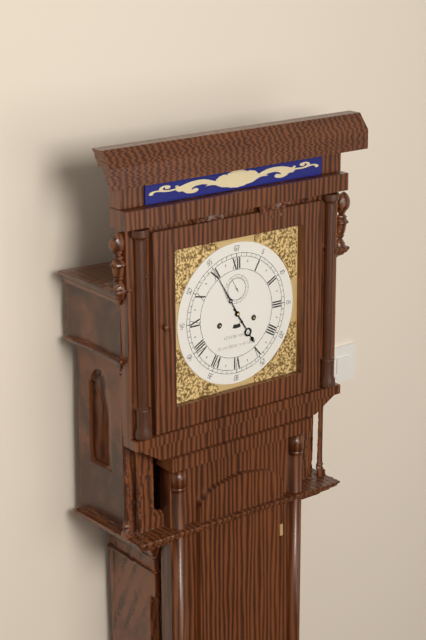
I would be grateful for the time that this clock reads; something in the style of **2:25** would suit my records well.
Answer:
**4:55**
